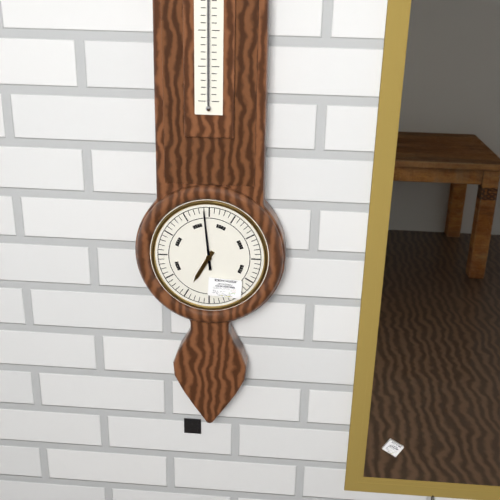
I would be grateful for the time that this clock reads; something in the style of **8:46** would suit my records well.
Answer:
**6:59**
